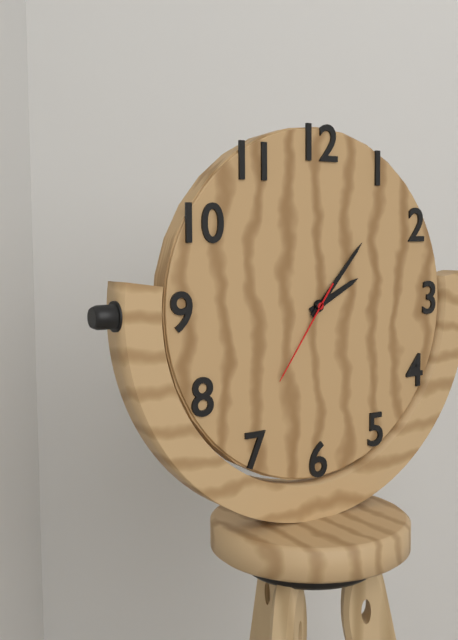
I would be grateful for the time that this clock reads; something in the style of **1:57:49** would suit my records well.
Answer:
**2:07:36**
